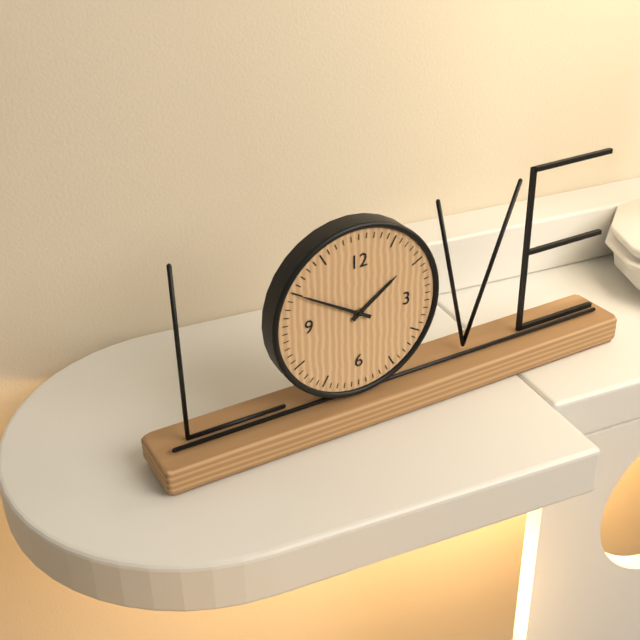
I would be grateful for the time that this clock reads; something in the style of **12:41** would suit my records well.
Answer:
**1:50**
